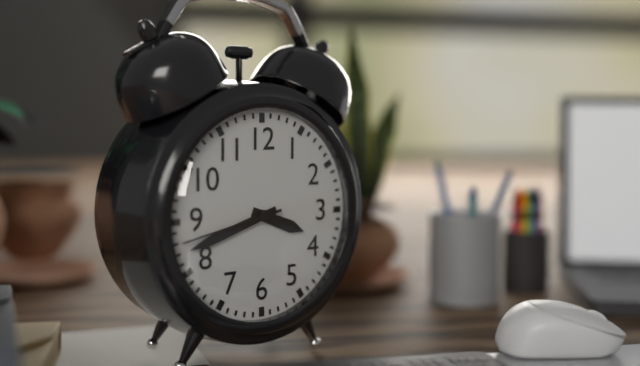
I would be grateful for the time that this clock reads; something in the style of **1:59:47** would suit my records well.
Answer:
**3:42:43**
